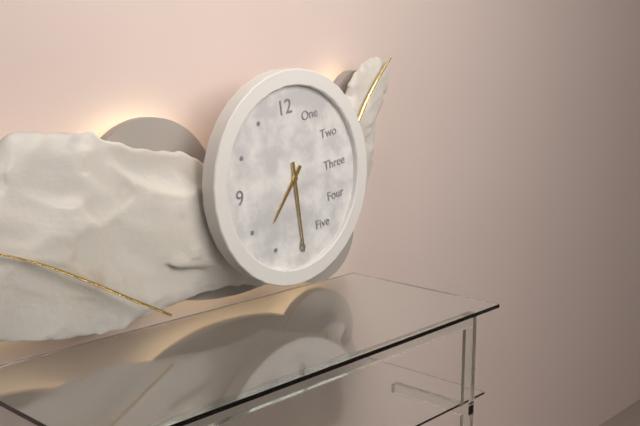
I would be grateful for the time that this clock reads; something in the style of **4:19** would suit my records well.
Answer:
**7:30**
